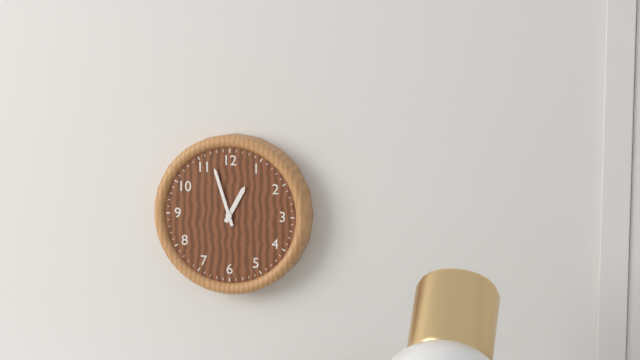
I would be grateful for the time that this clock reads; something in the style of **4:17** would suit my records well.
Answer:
**12:57**
